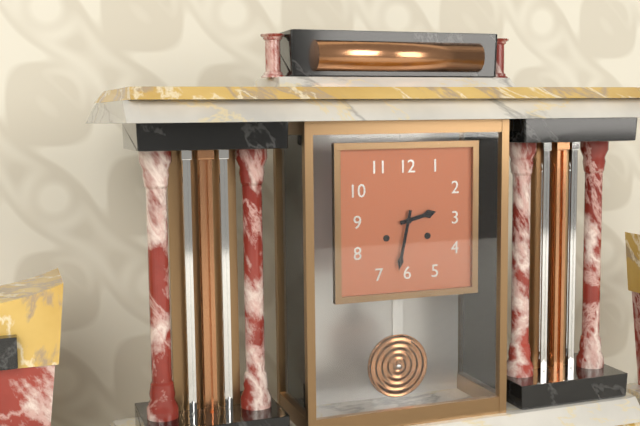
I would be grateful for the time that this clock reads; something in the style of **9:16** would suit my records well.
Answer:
**2:32**
